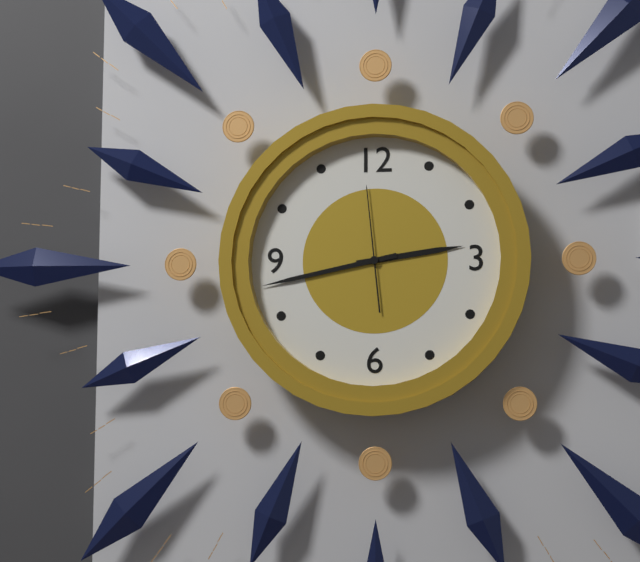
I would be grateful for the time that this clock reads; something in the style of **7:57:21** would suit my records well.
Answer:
**2:43:59**
